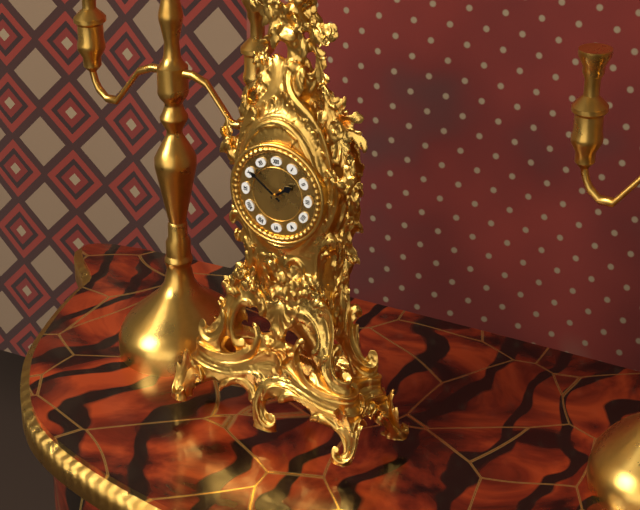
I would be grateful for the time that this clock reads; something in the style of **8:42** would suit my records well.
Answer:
**1:51**
